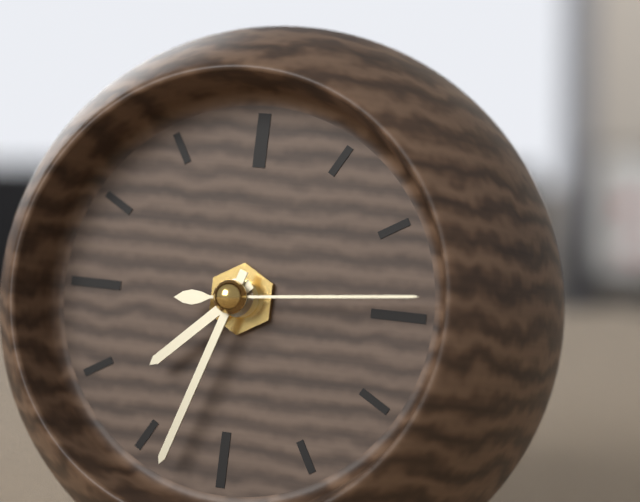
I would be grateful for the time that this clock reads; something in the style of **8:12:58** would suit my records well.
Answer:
**7:33:14**
